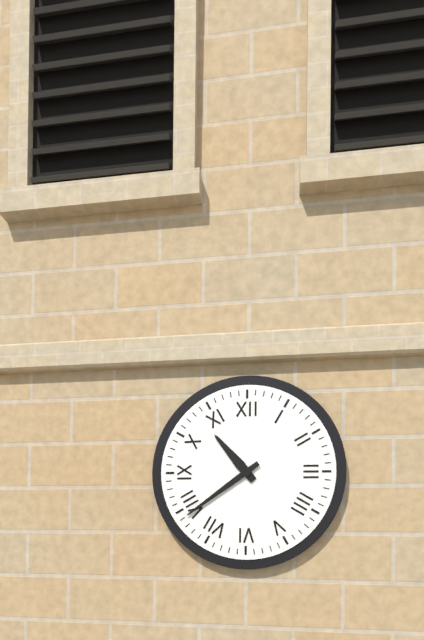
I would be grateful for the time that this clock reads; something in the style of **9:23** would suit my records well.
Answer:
**10:39**
